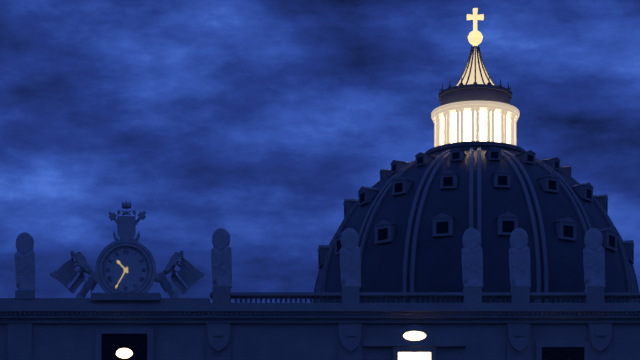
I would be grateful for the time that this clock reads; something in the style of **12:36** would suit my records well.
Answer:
**10:35**
